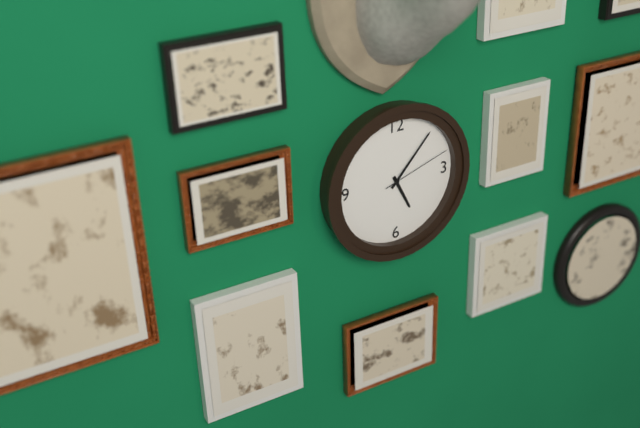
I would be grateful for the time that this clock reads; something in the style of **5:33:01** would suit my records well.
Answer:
**5:07:12**
